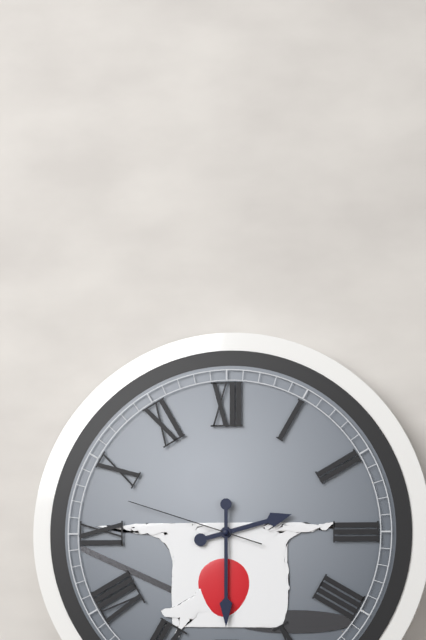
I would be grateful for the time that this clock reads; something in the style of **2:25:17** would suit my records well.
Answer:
**2:30:48**
